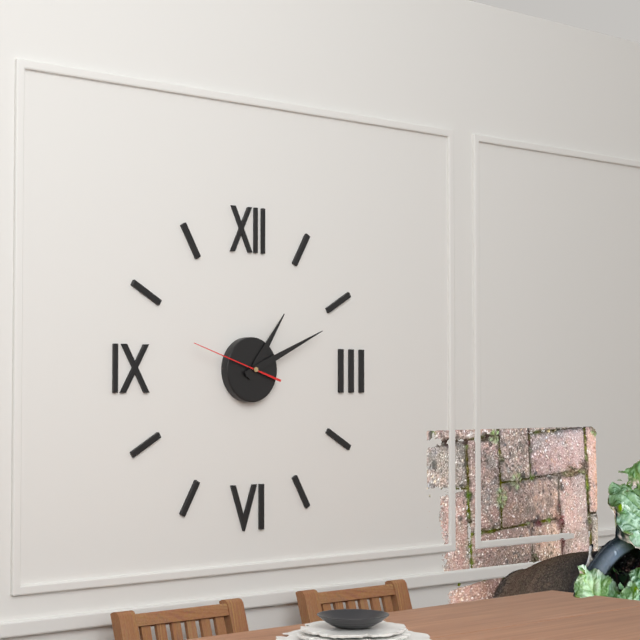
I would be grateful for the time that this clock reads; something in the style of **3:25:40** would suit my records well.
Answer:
**1:11:48**
